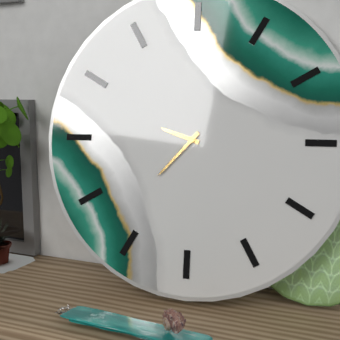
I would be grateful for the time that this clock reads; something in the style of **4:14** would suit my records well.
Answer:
**9:37**
